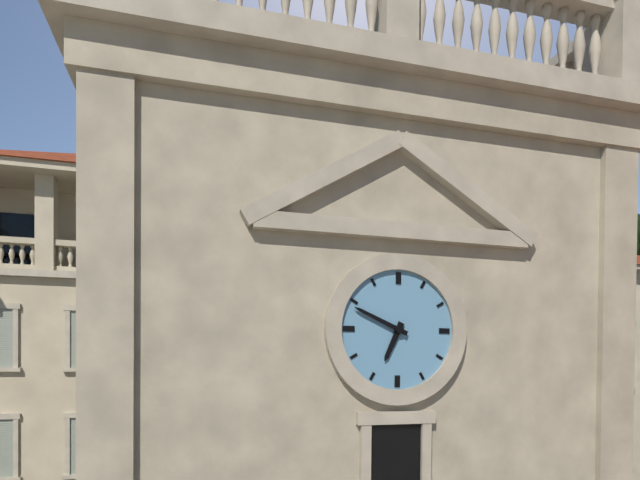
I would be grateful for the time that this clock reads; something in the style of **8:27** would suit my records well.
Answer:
**6:49**
